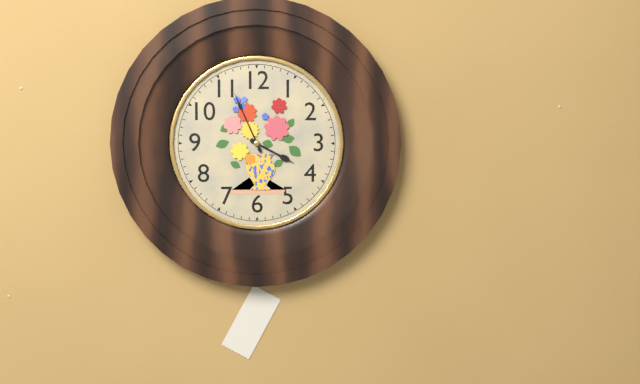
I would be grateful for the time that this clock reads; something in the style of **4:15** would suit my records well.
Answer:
**3:56**
